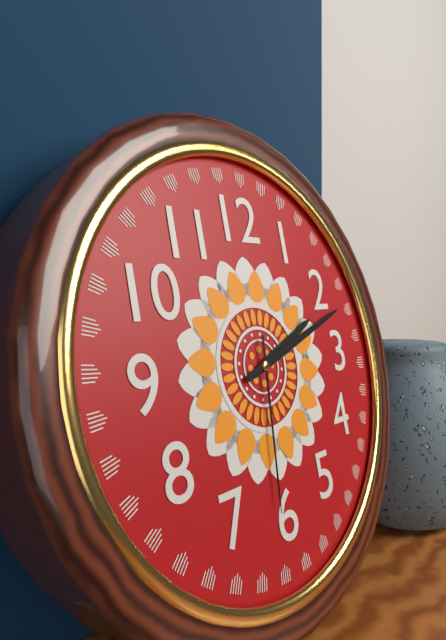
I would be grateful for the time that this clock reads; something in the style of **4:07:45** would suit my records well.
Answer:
**2:12:31**
